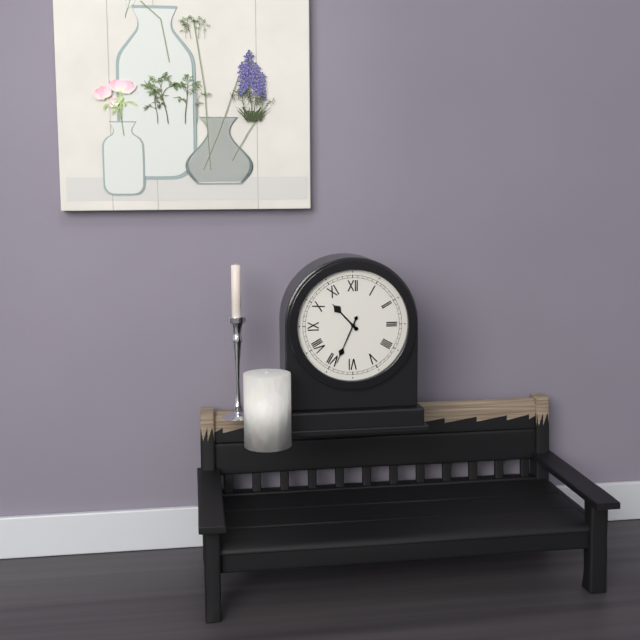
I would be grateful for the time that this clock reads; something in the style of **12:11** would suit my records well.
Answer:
**10:34**
